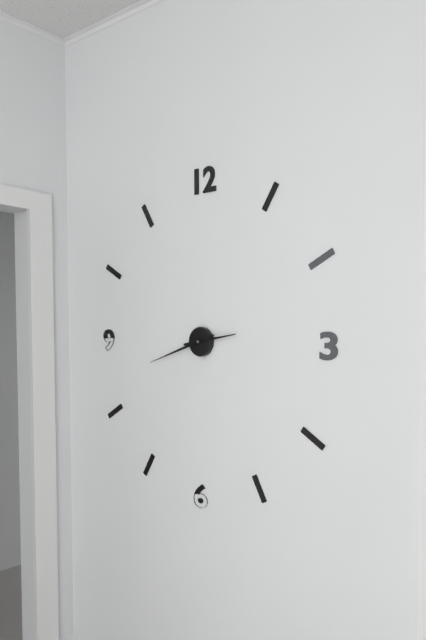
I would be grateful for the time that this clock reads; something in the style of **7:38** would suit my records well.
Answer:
**2:42**
